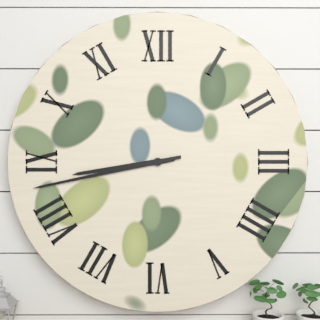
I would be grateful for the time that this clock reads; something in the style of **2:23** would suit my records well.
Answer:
**8:43**
